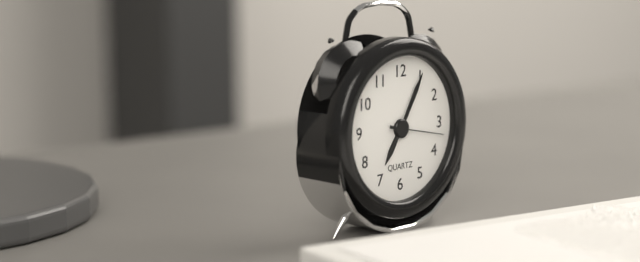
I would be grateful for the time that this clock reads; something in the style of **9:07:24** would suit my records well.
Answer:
**7:05:17**
